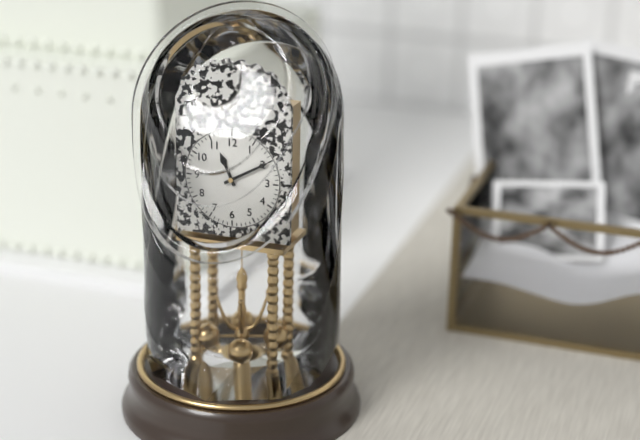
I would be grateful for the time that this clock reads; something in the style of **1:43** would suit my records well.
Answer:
**11:10**
